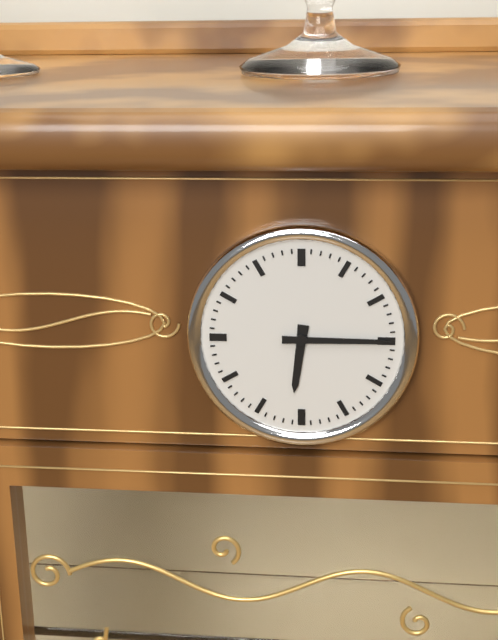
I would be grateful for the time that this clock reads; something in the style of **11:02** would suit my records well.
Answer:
**6:15**
